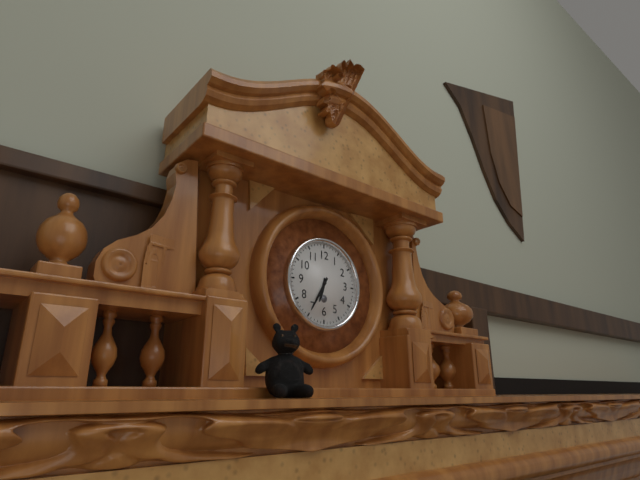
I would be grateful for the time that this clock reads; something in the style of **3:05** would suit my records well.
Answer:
**6:35**
